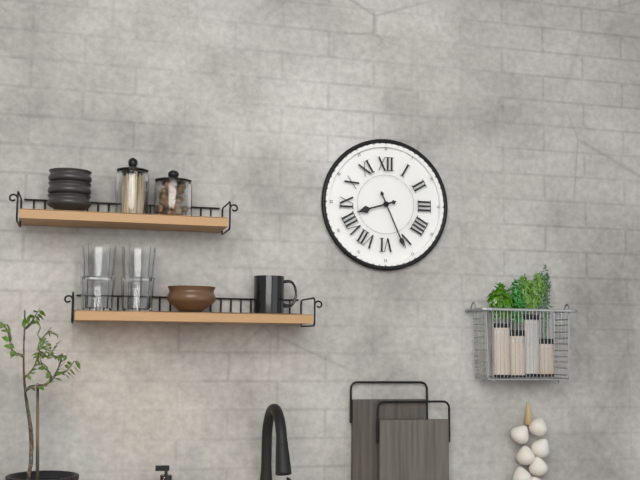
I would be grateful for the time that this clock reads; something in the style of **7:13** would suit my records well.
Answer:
**8:26**
